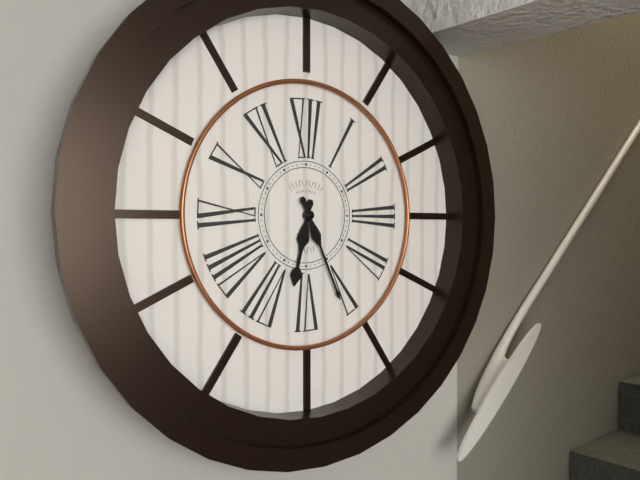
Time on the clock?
6:26
